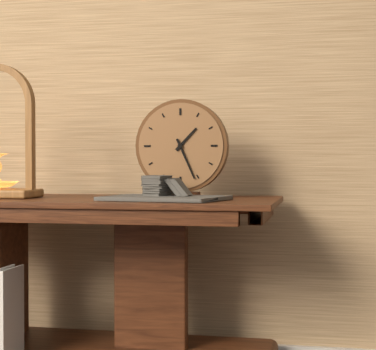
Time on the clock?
1:26
